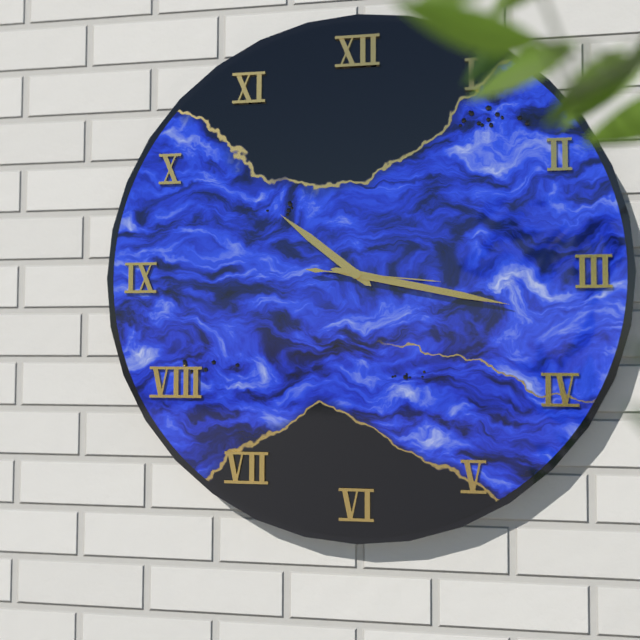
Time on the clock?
10:17:16
